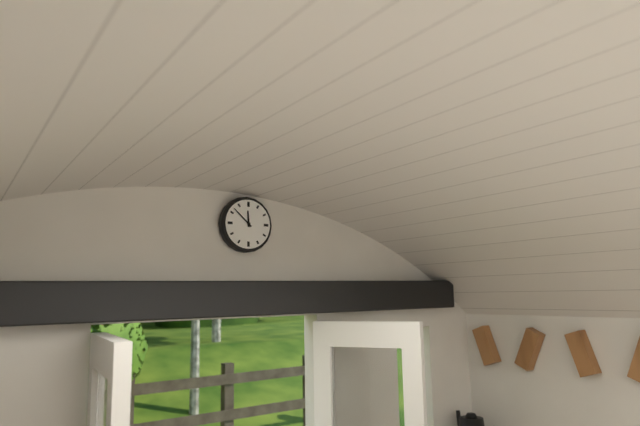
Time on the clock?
11:52
